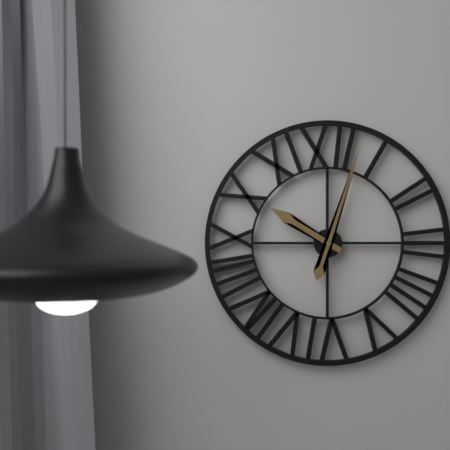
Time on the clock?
10:03
